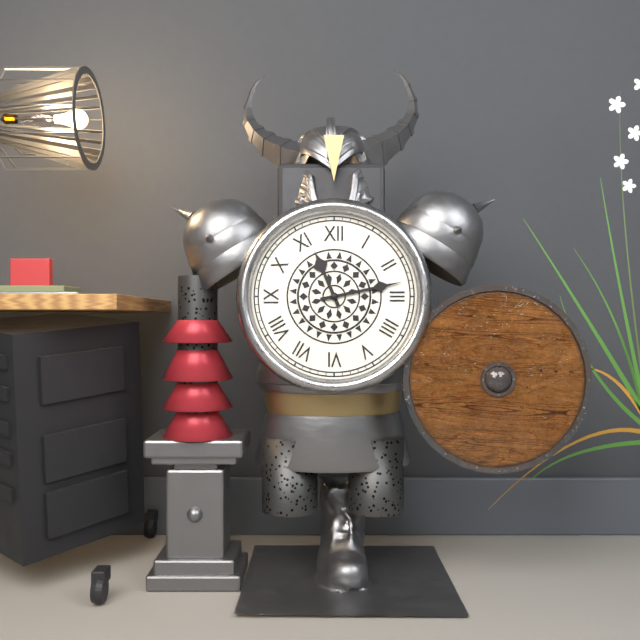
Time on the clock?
11:13
